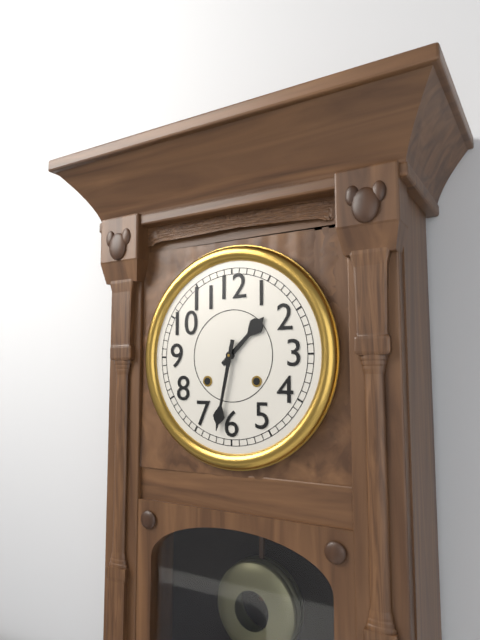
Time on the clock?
1:32
